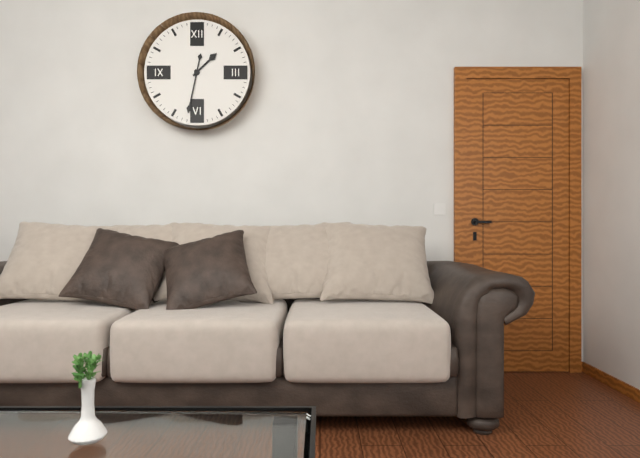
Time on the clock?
1:32
